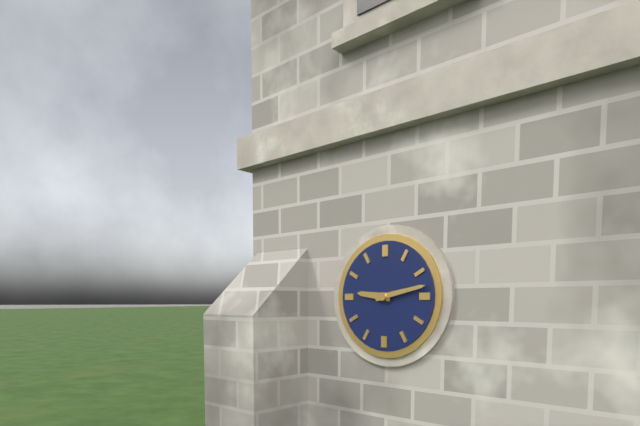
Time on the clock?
9:13
